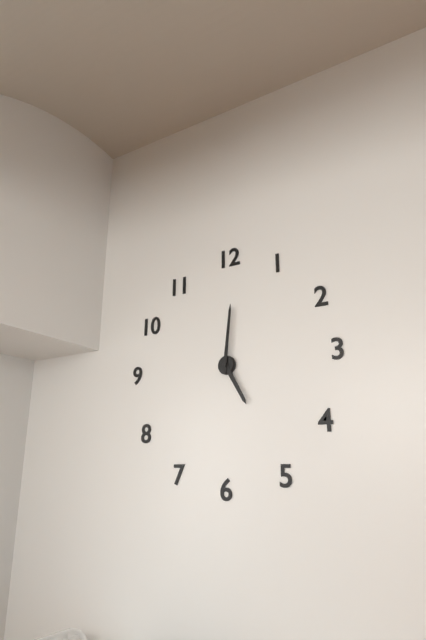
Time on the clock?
5:01
